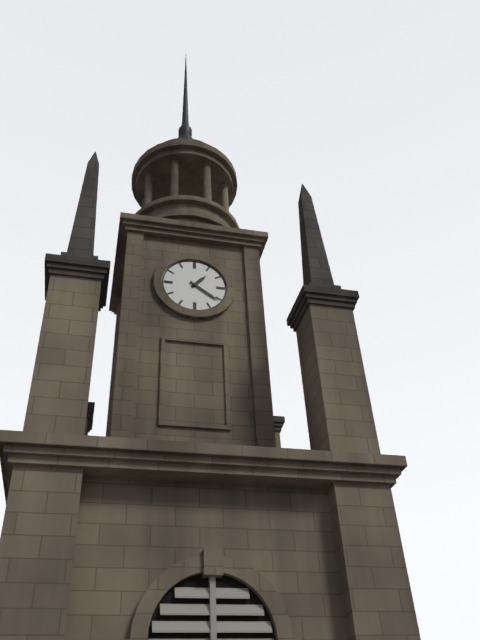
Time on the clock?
1:21
